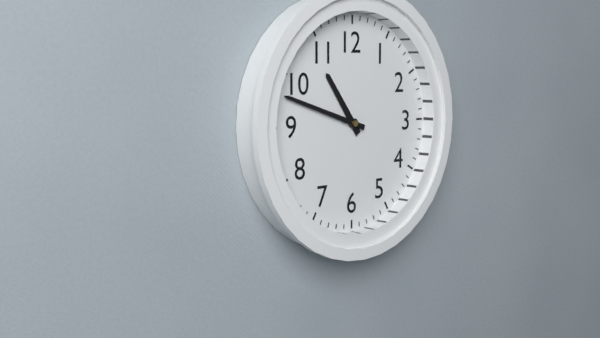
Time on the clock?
10:48
